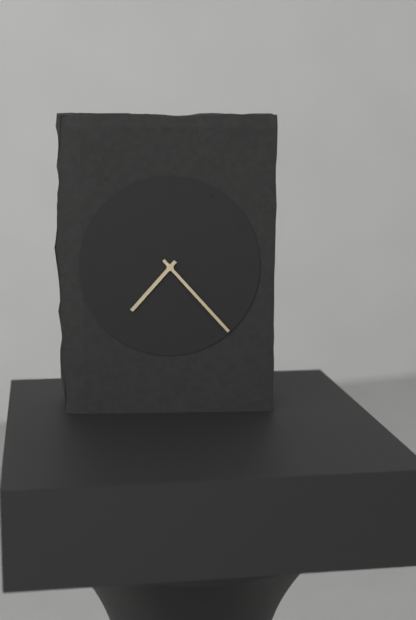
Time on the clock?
7:23
